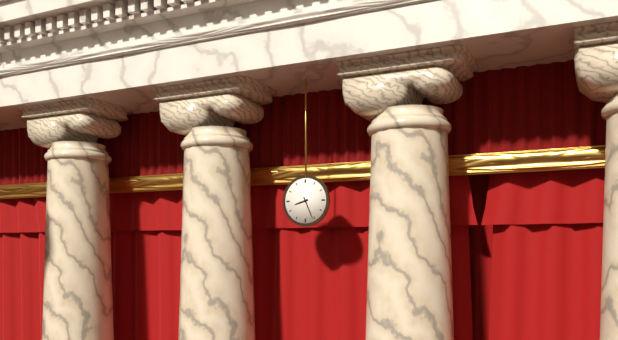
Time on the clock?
8:26
